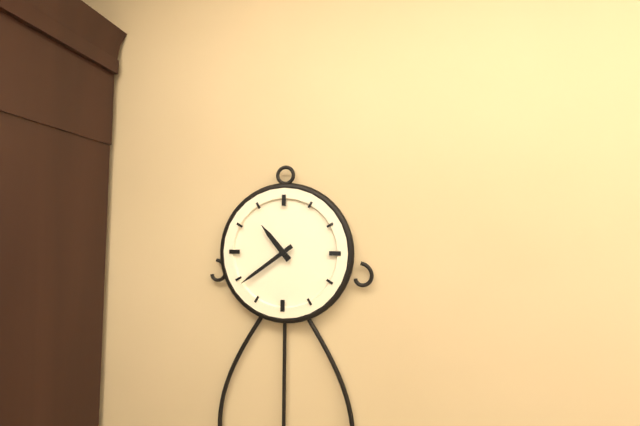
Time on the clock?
10:39
